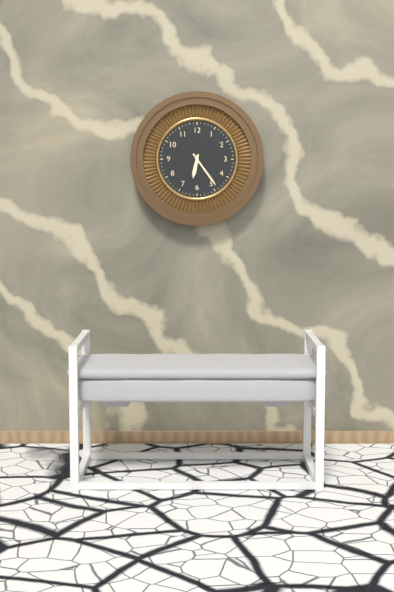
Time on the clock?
6:24
